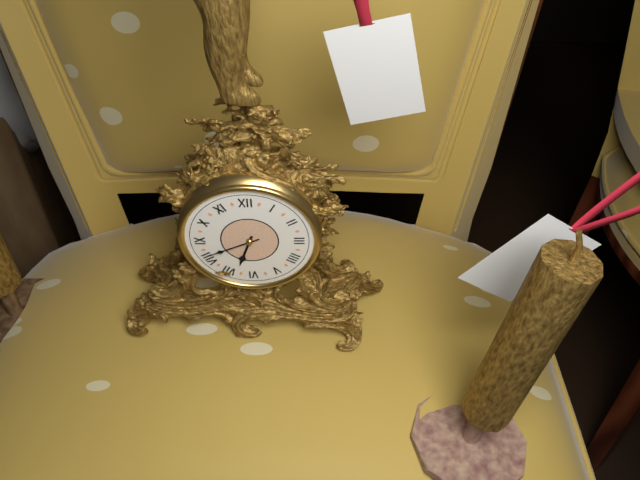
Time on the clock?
6:41
